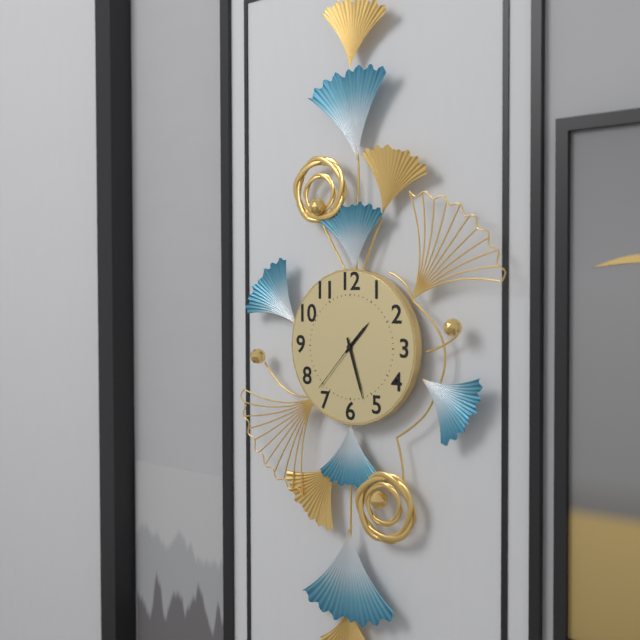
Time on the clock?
1:27:37
